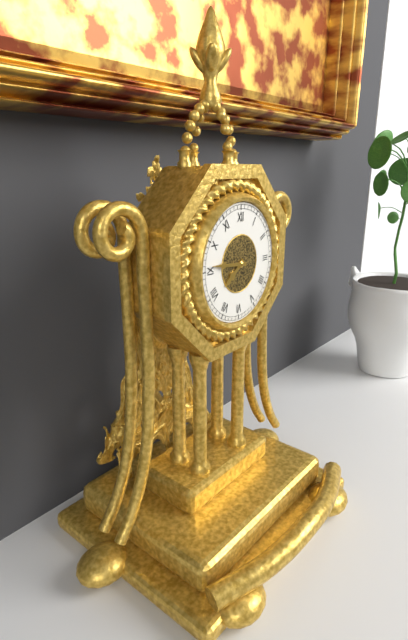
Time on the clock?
7:46
